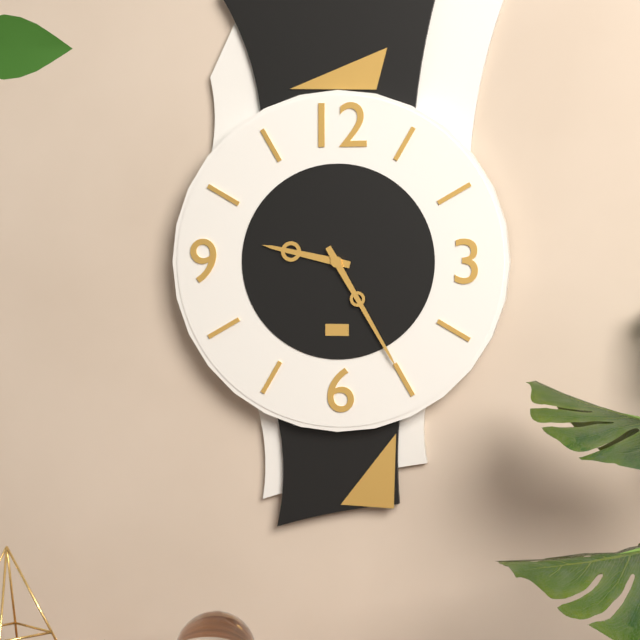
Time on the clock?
9:25
